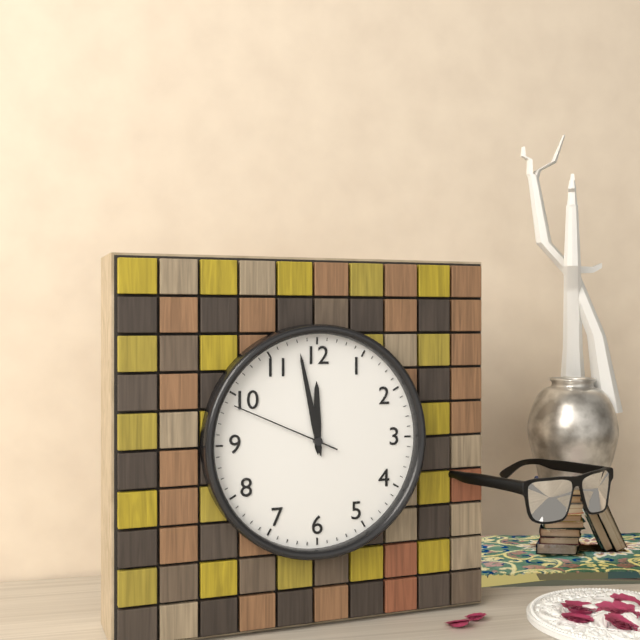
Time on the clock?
11:58:49
